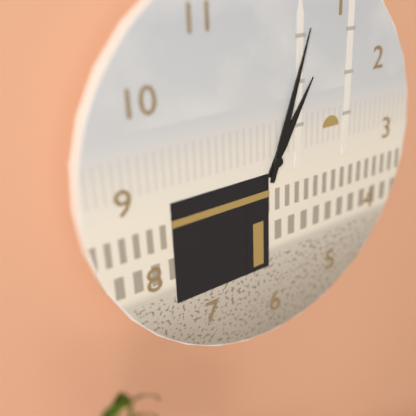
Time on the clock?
1:03
